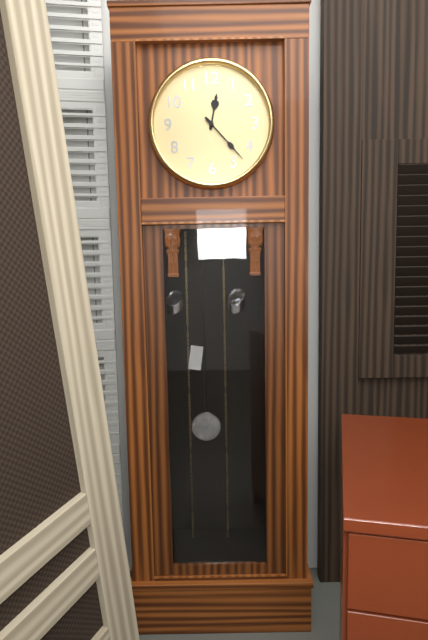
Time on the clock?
12:23
